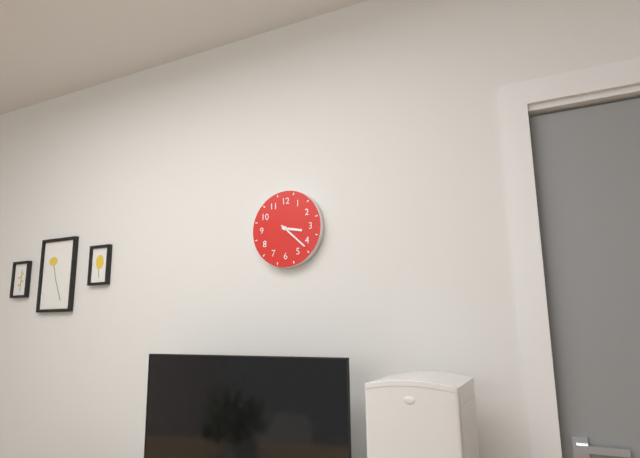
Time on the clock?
3:22
